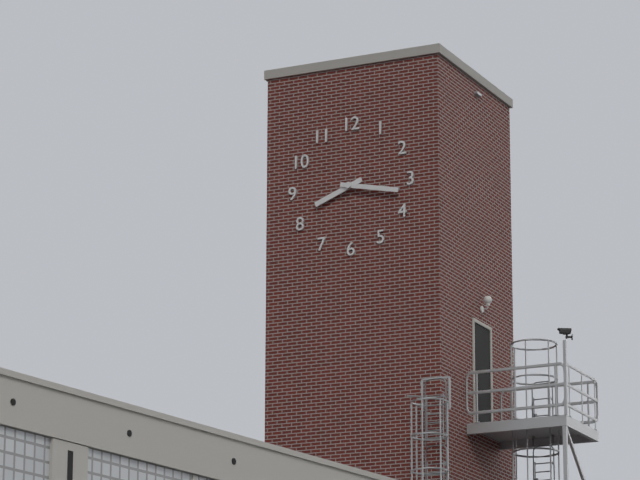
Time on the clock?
8:17
